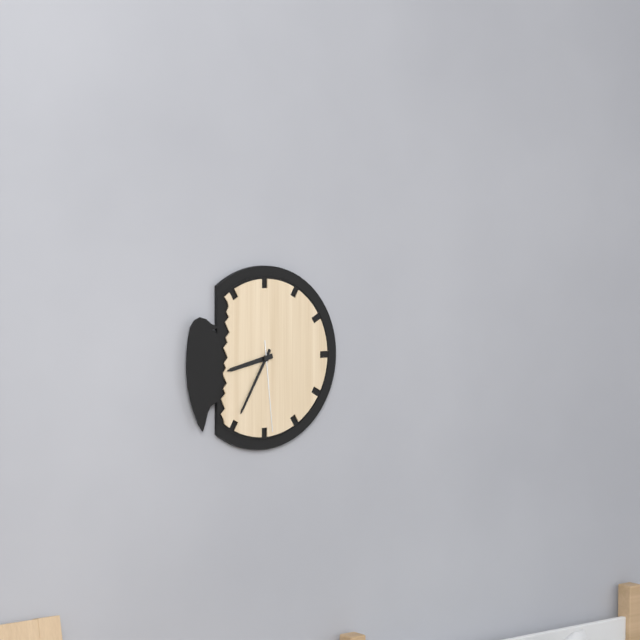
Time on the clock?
8:35:29
